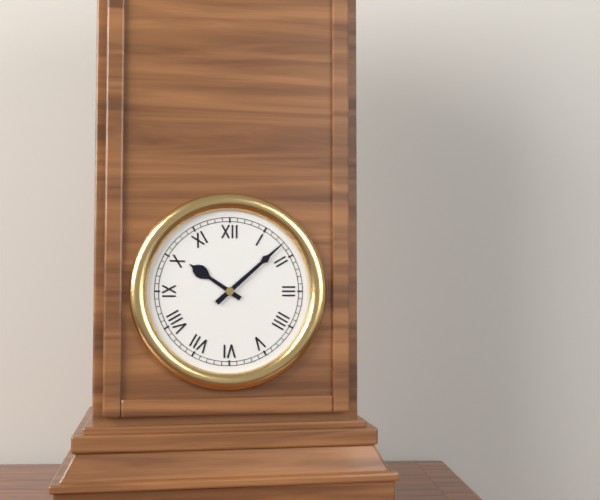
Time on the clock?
10:08
